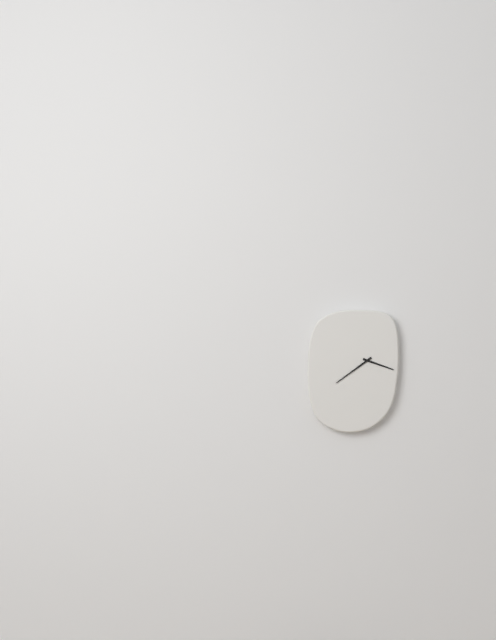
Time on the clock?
3:39
